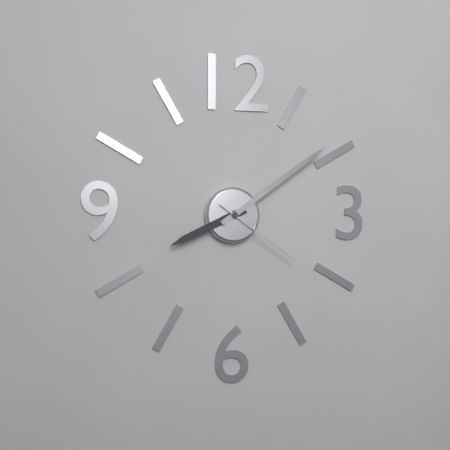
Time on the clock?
8:09:21
